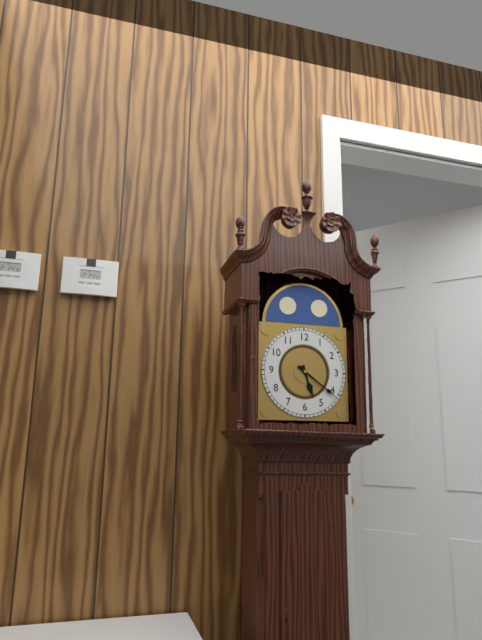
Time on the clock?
5:21
